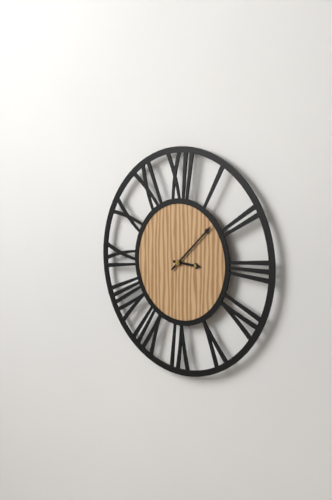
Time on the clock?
3:08
